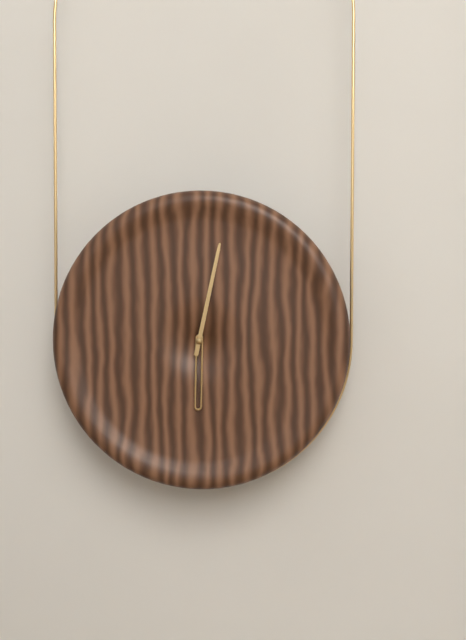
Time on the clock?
6:02
